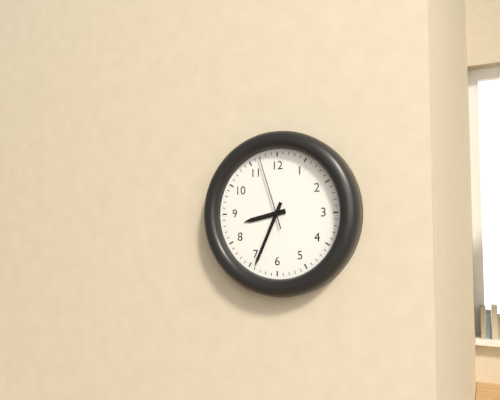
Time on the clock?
8:34:57
